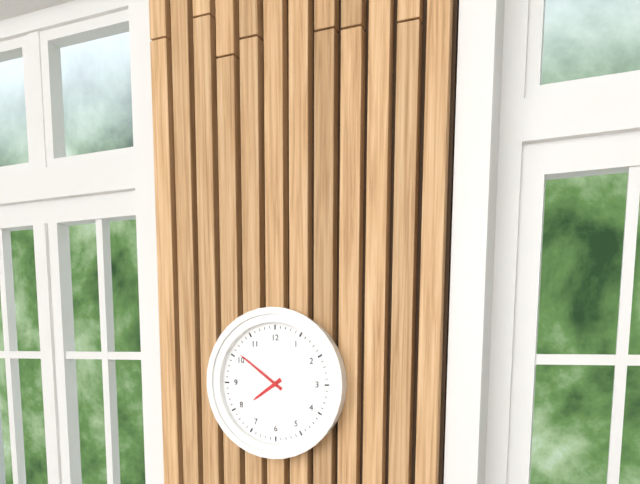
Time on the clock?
7:51
